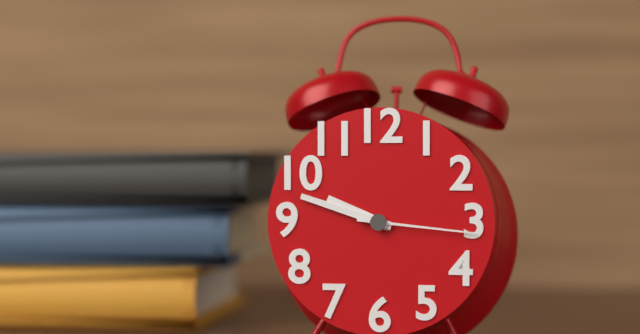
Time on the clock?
9:48:16
